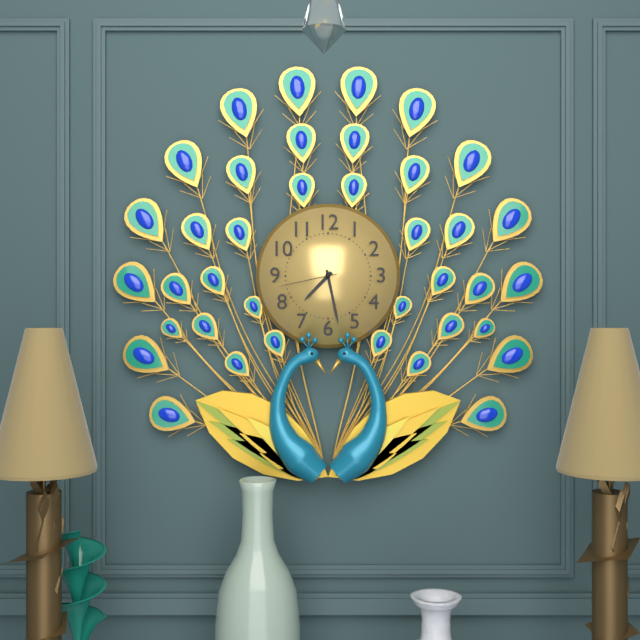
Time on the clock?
7:28:43
